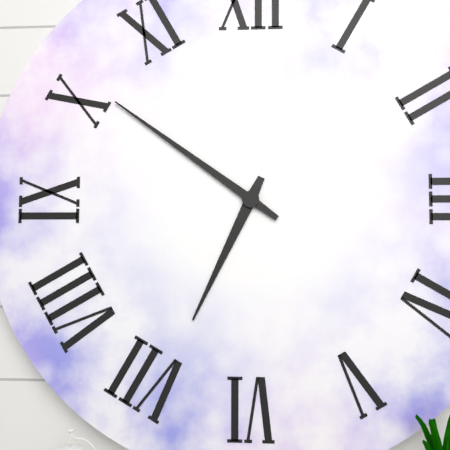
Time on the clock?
6:51
